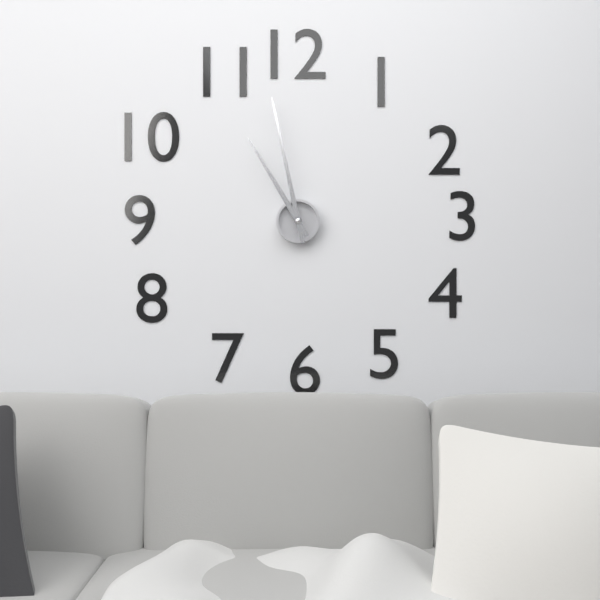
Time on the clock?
10:58
